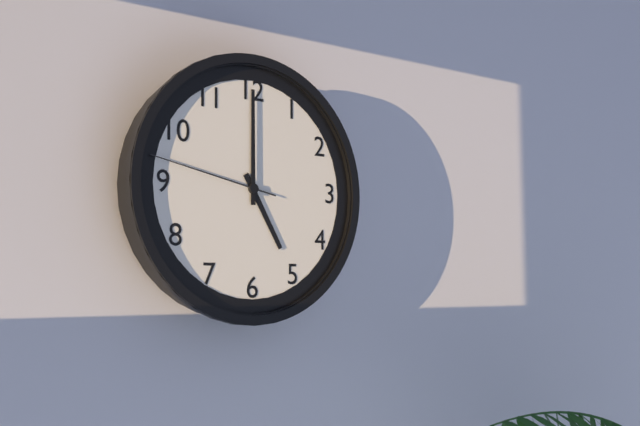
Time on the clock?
5:00:47
